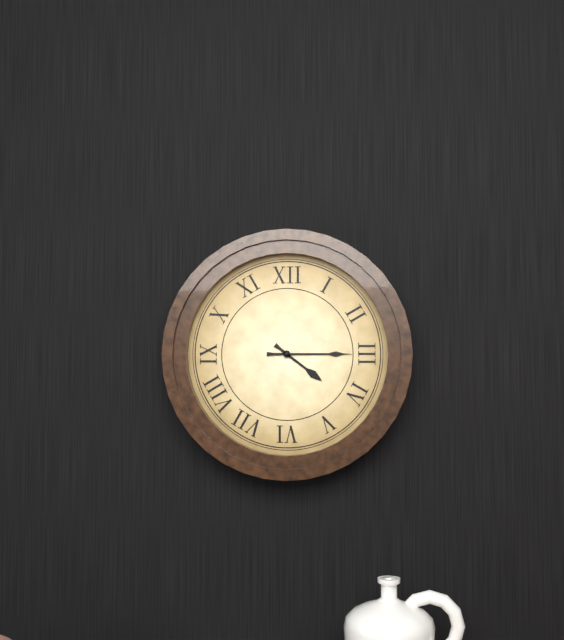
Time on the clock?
4:15
